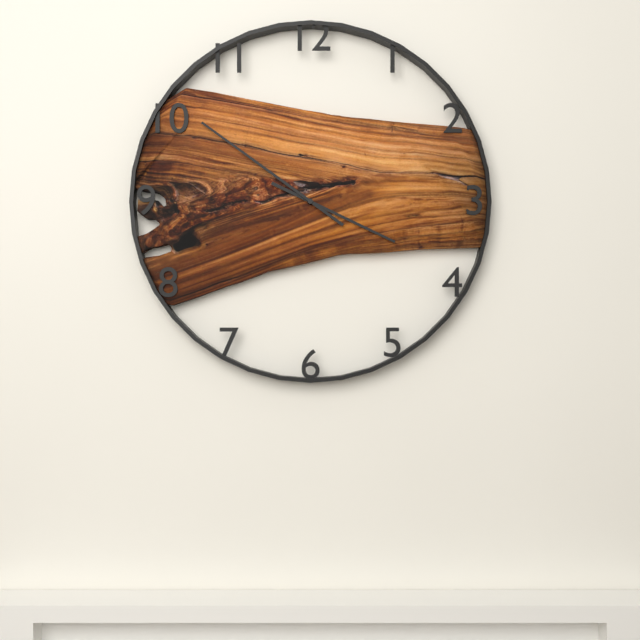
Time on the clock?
3:51
